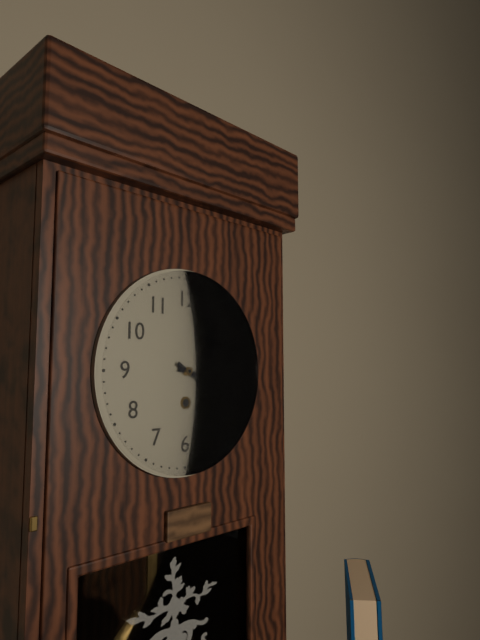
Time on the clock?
3:20
